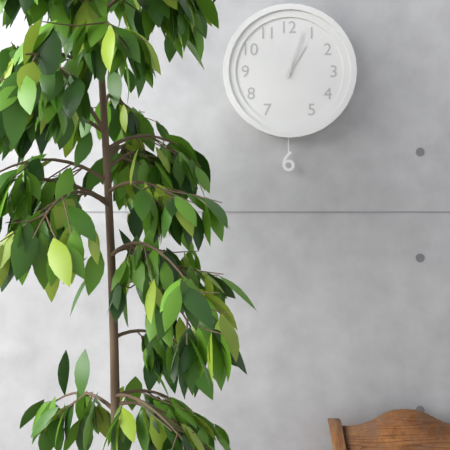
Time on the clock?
1:03
